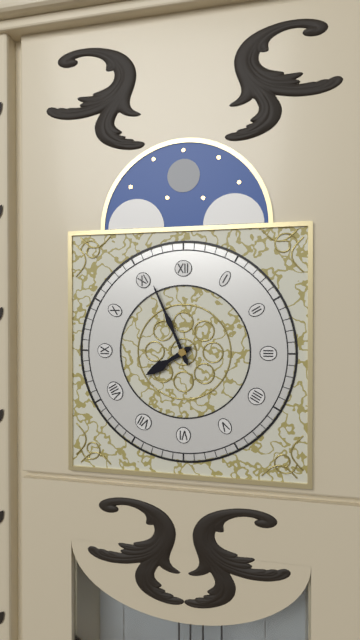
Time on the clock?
7:56
